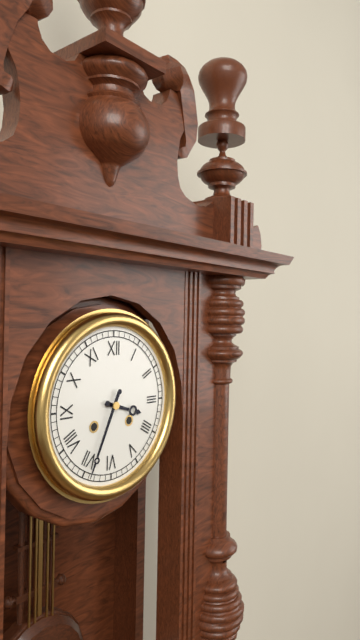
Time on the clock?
3:34
